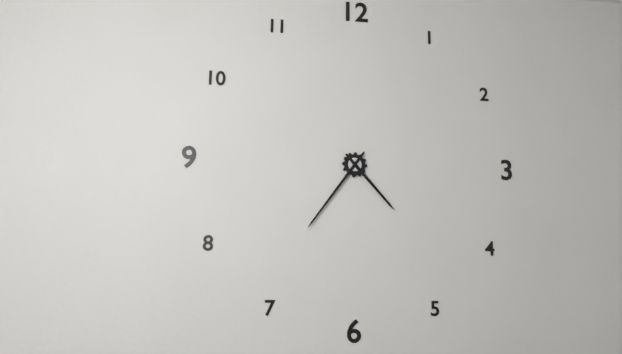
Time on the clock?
4:36
